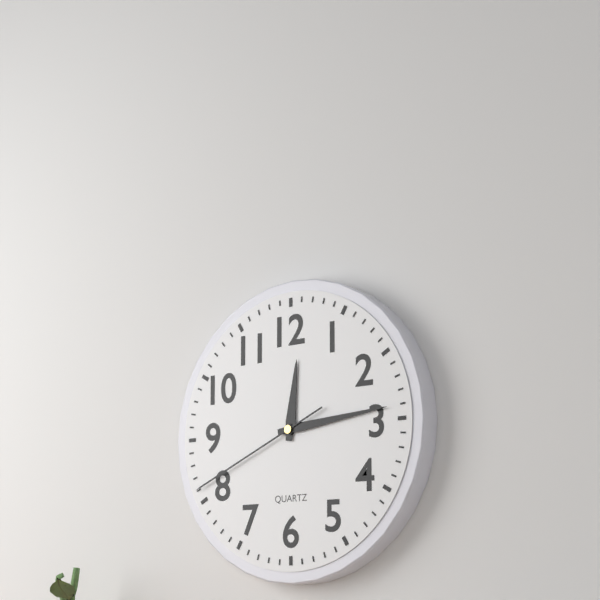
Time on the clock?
12:14:41
